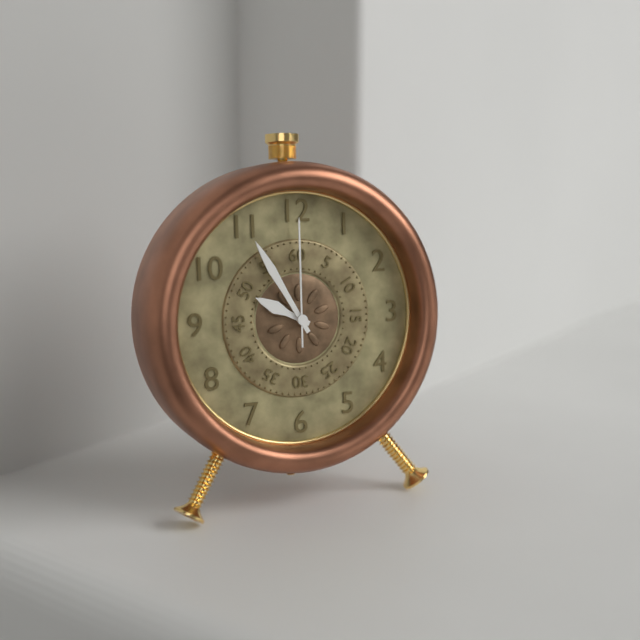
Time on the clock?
9:55:00
